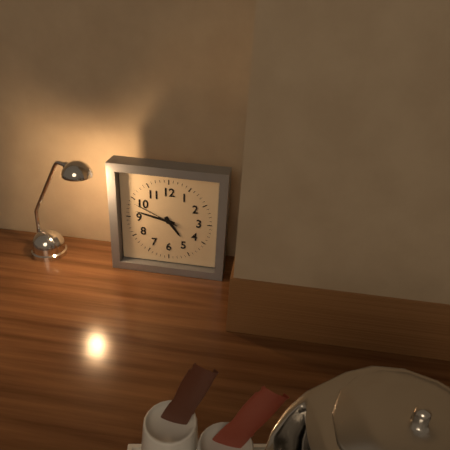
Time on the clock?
4:47
